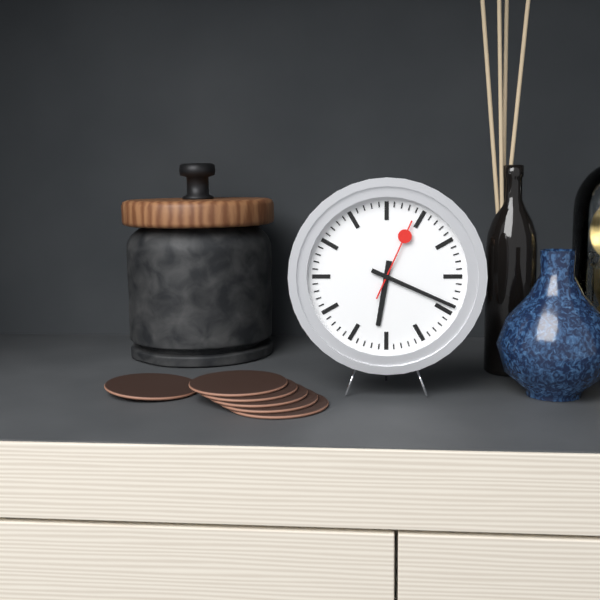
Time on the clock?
6:19:04
